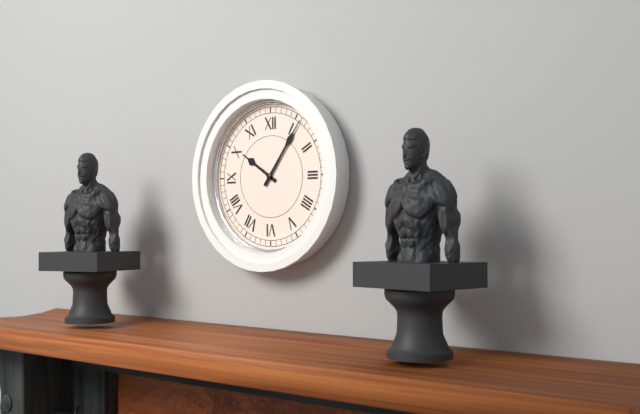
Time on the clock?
10:06
